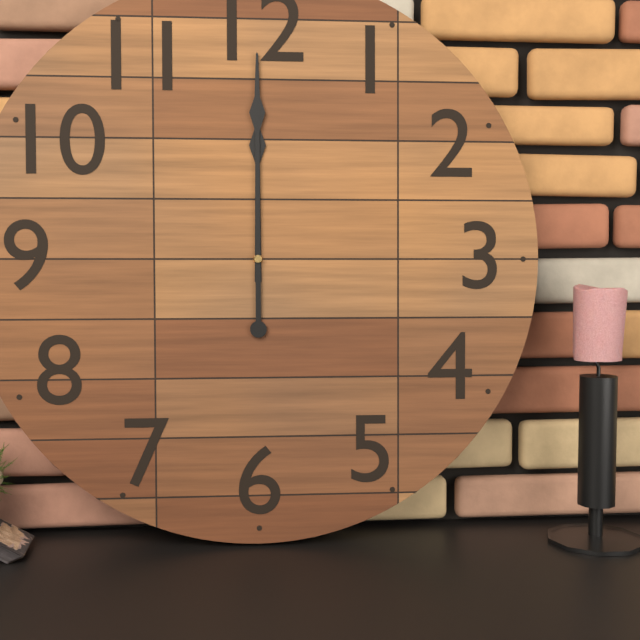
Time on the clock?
12:00
